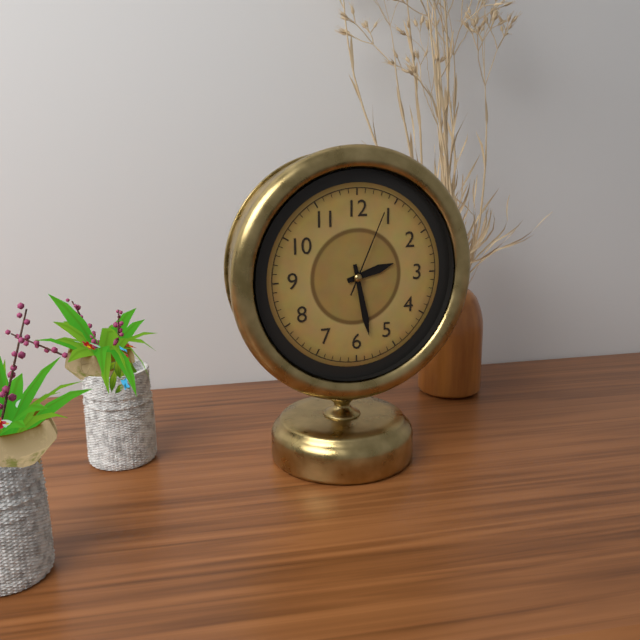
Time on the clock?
2:28:04
